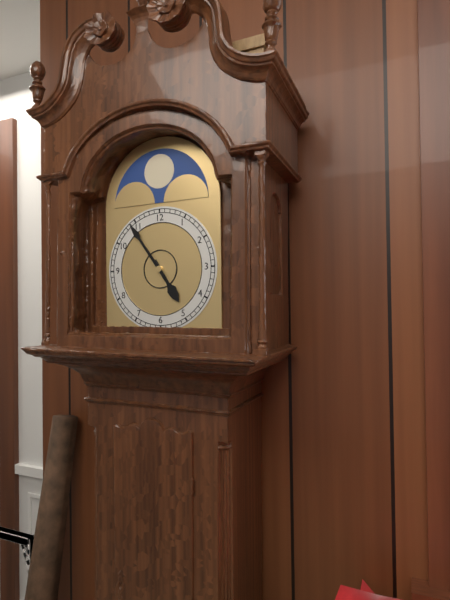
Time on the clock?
4:54
